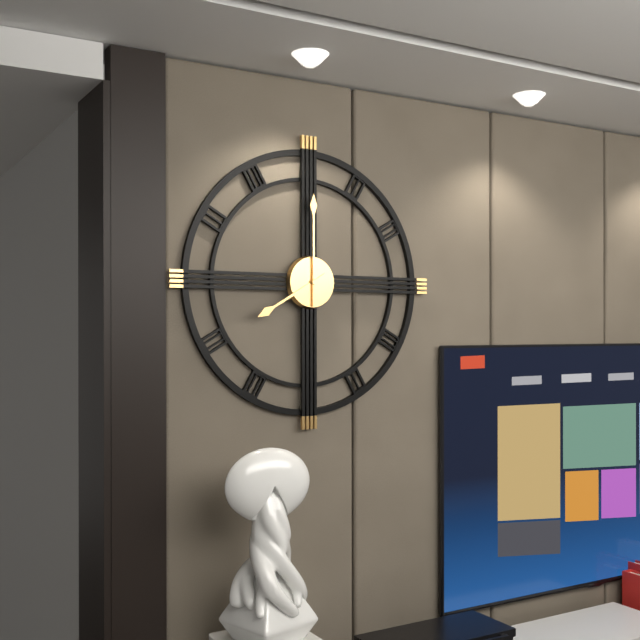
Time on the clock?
8:00
